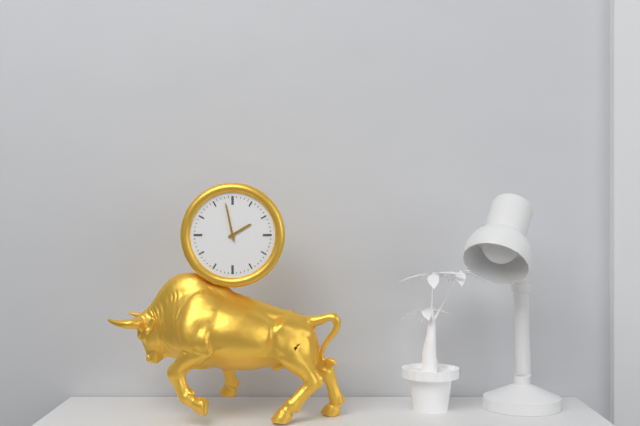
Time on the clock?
1:58
